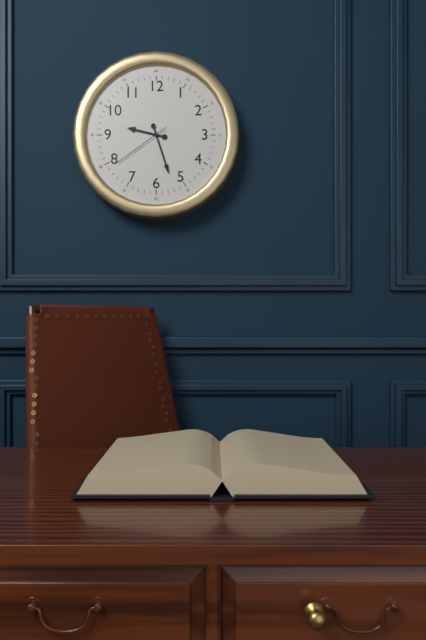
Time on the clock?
9:27:39
